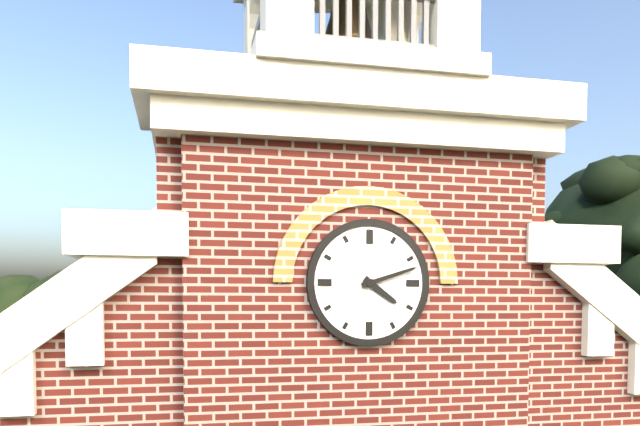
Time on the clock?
4:12
